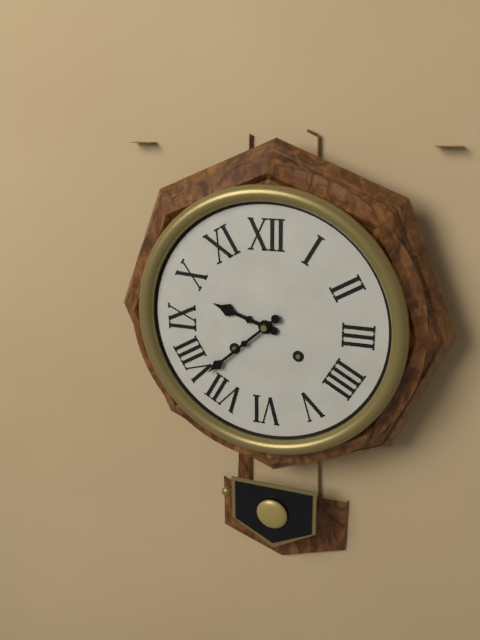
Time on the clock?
9:38
